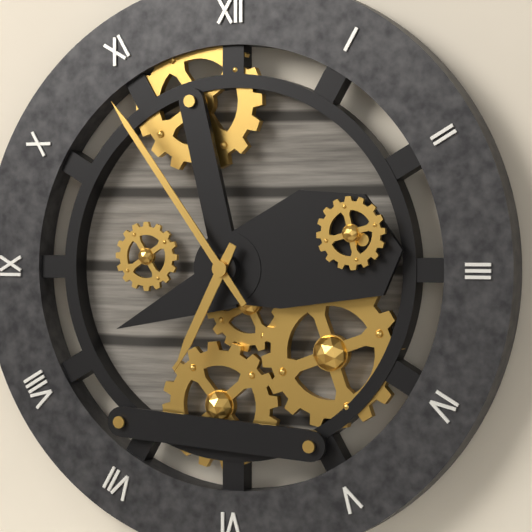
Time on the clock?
6:54
